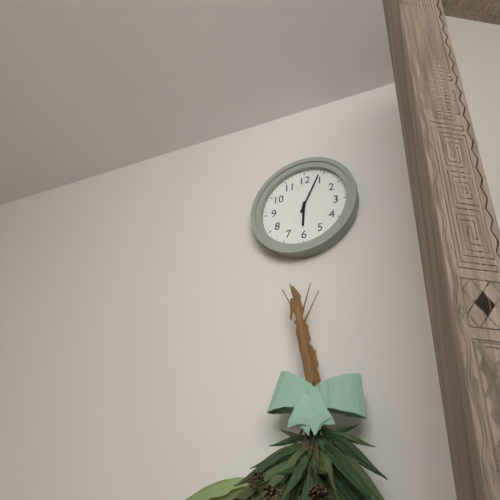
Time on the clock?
6:04
